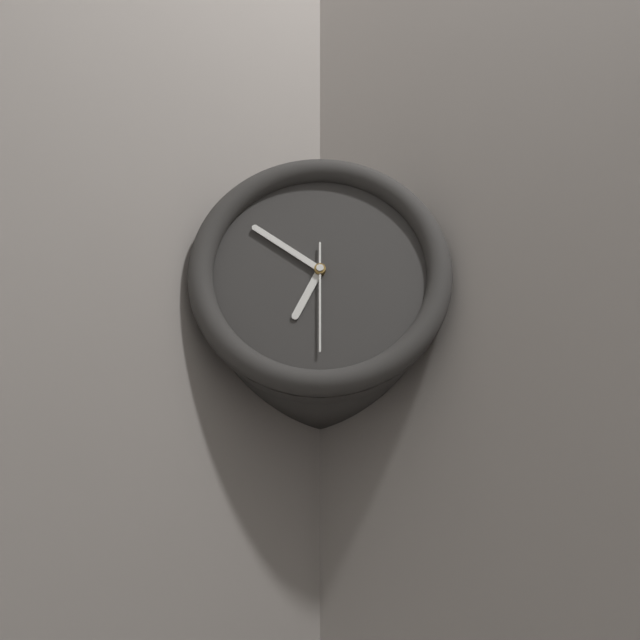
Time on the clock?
6:51:30
